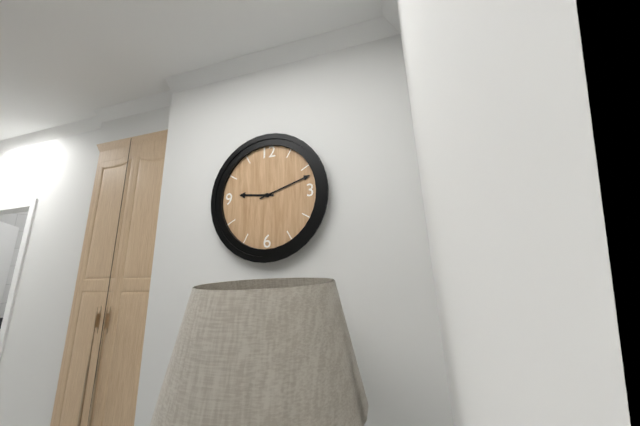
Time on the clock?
9:12
